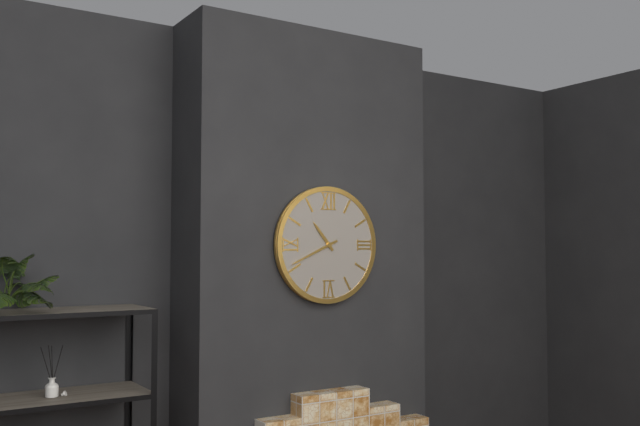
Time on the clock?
10:41
